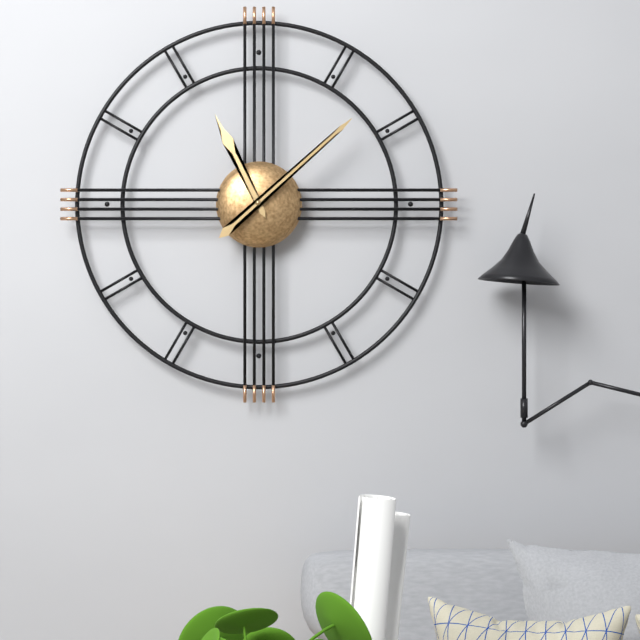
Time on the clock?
11:08
